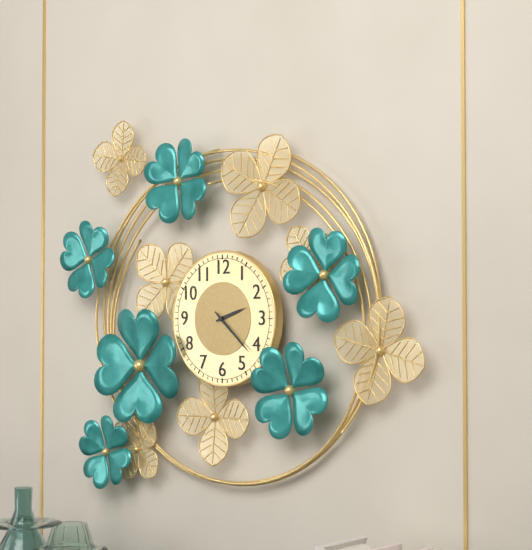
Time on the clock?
2:22
